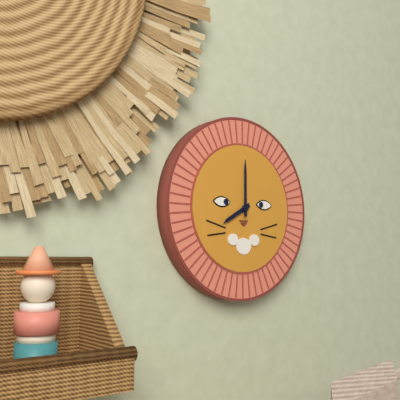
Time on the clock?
8:00
